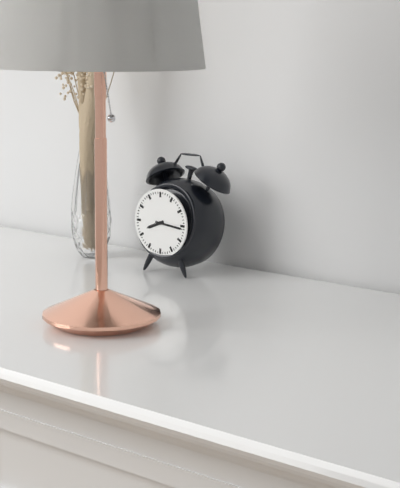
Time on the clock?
8:16
